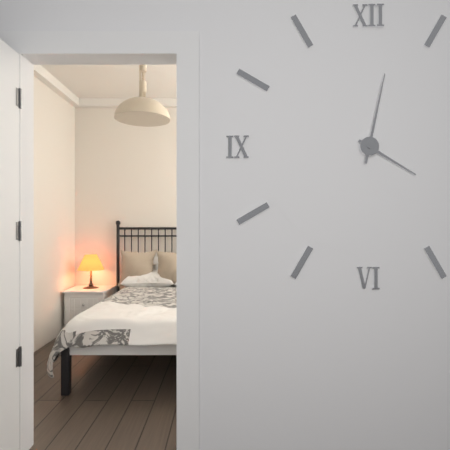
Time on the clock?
4:02
